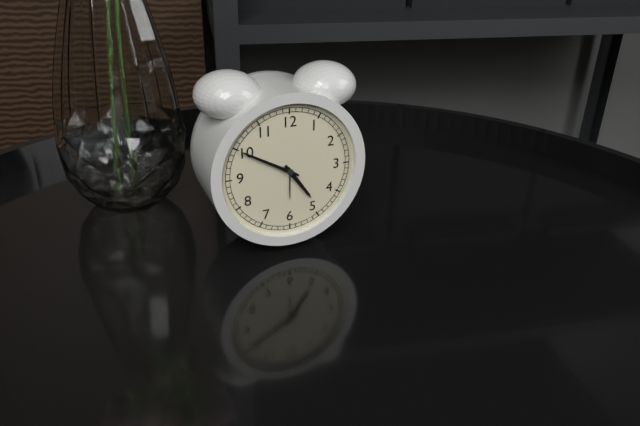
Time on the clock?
4:50
